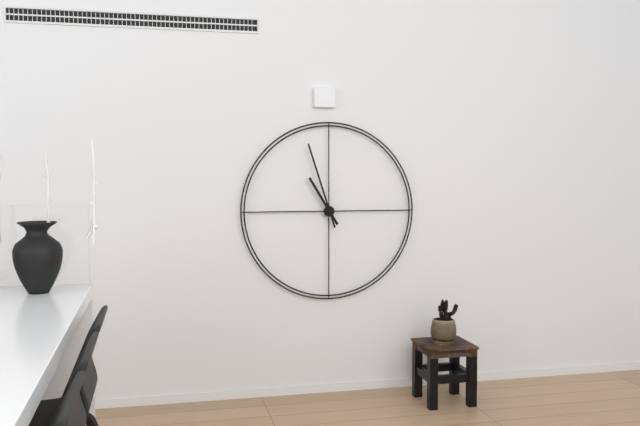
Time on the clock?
10:57
